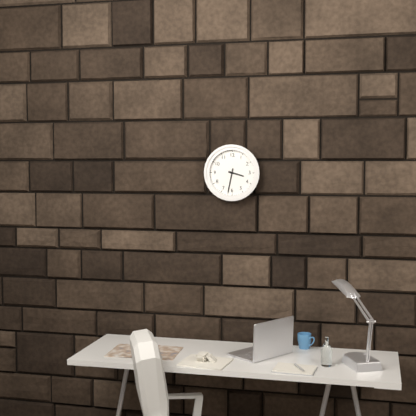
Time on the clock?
3:32
